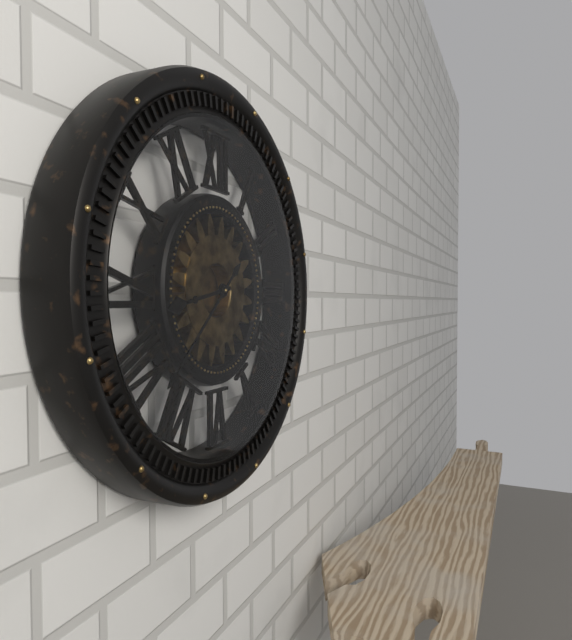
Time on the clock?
8:38
